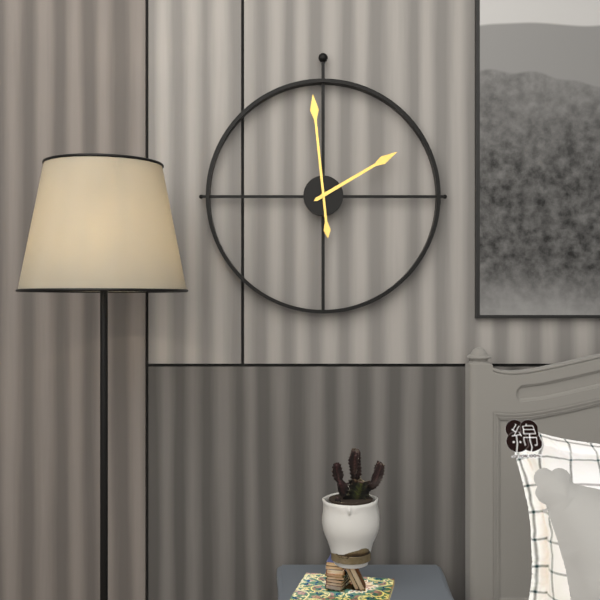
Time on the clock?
1:59
